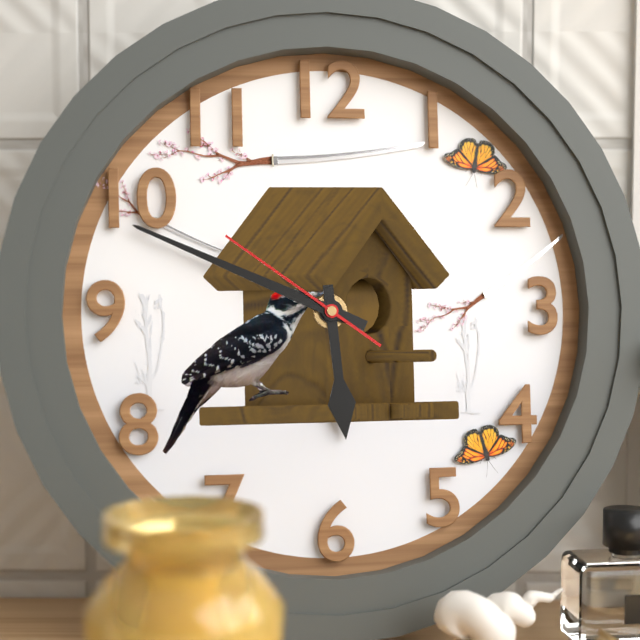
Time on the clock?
5:49:51
